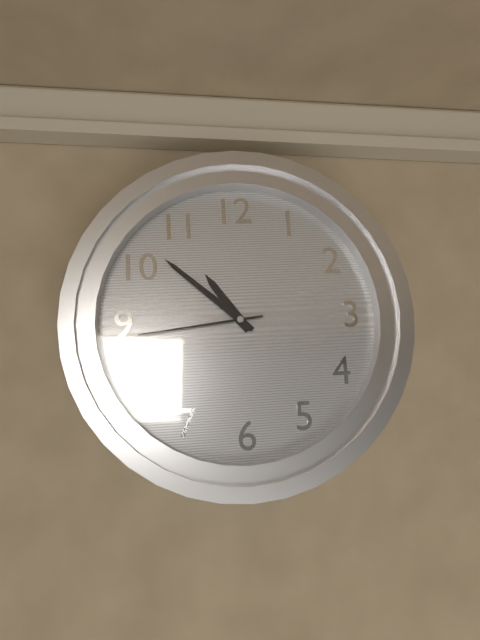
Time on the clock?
10:52:44
